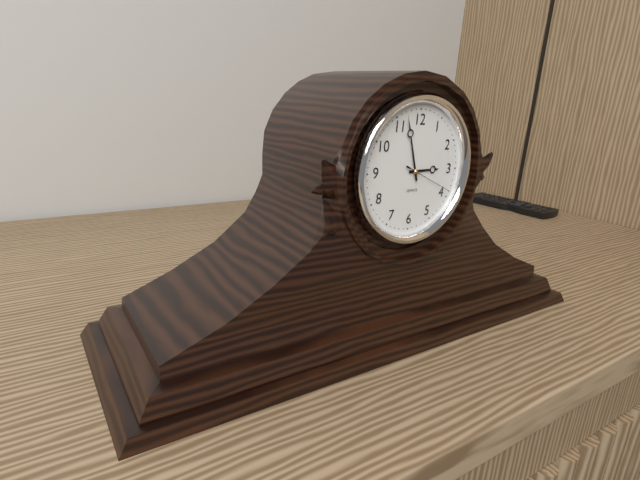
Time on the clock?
2:57:19
